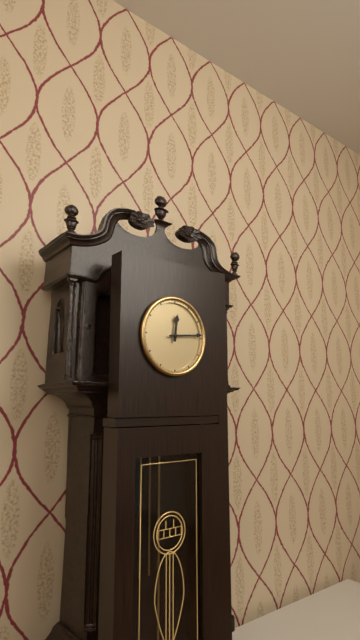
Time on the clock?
12:14
